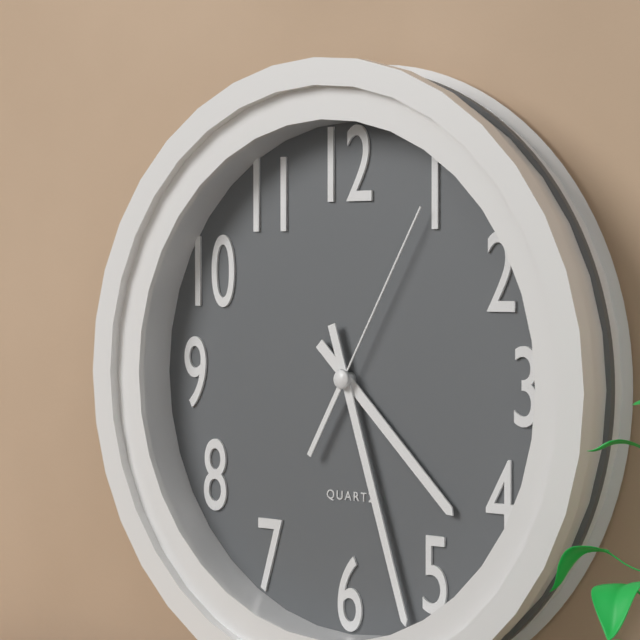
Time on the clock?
4:27:05
